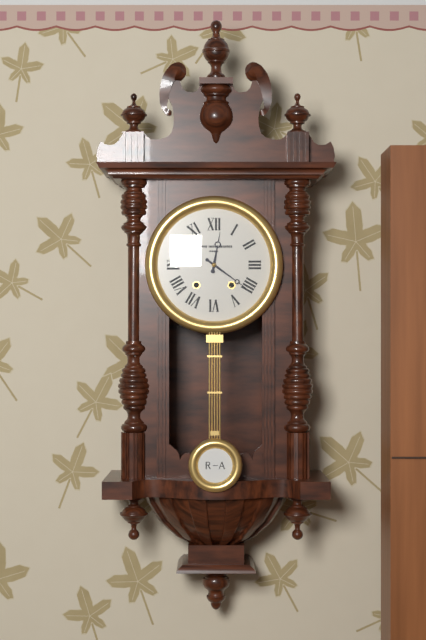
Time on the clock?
12:21
